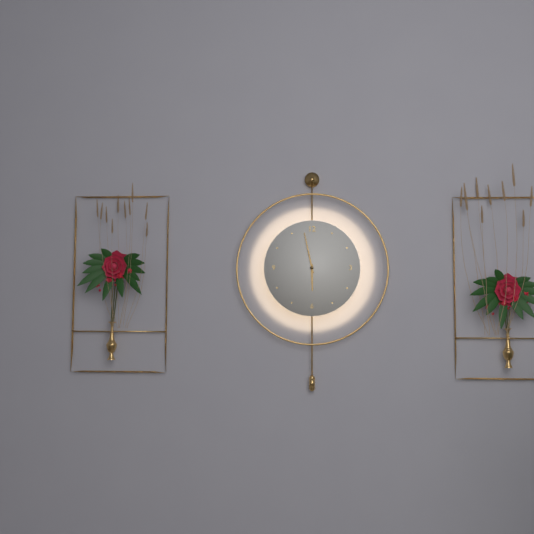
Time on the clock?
5:58
